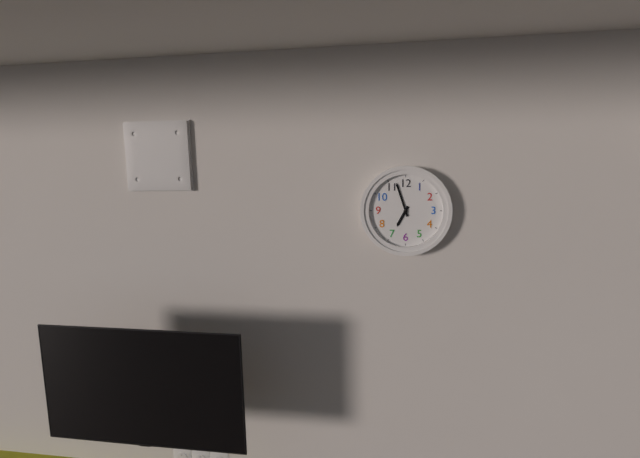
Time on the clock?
6:57
